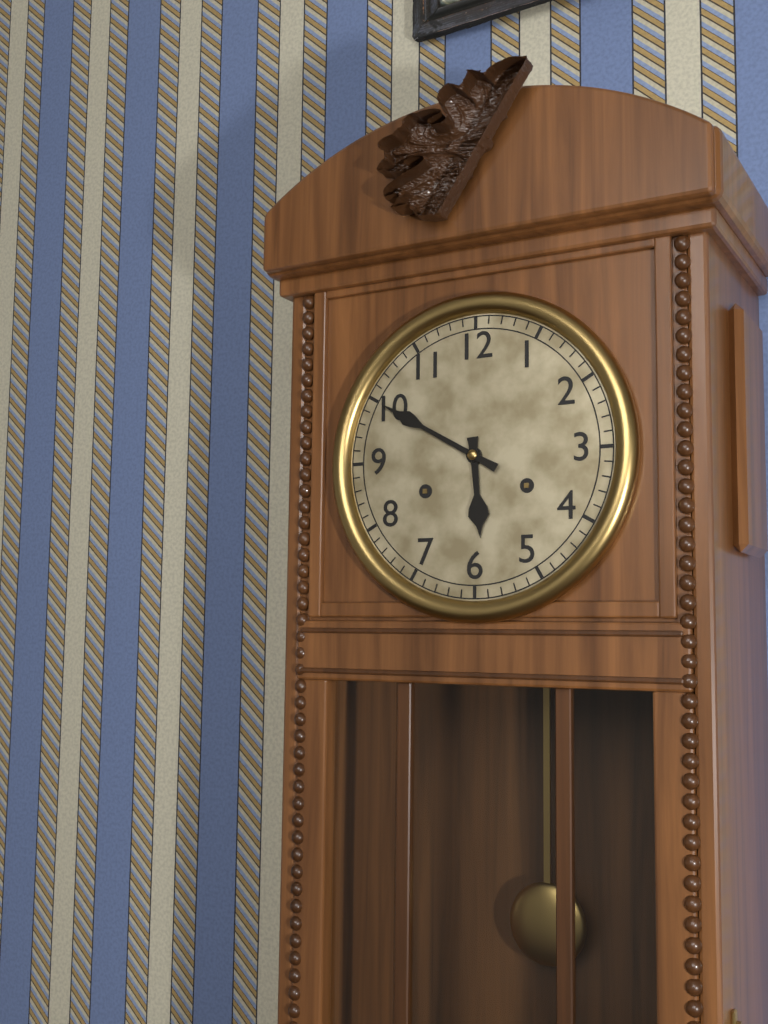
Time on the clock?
5:50
